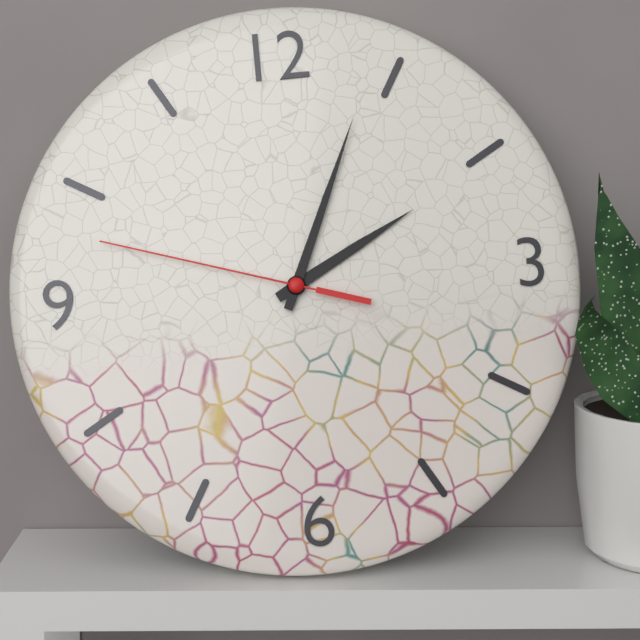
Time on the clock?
2:04:48
